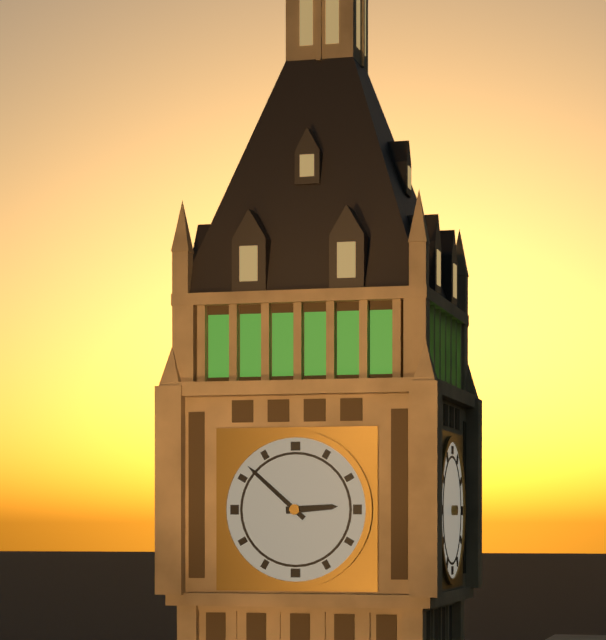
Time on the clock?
2:52
